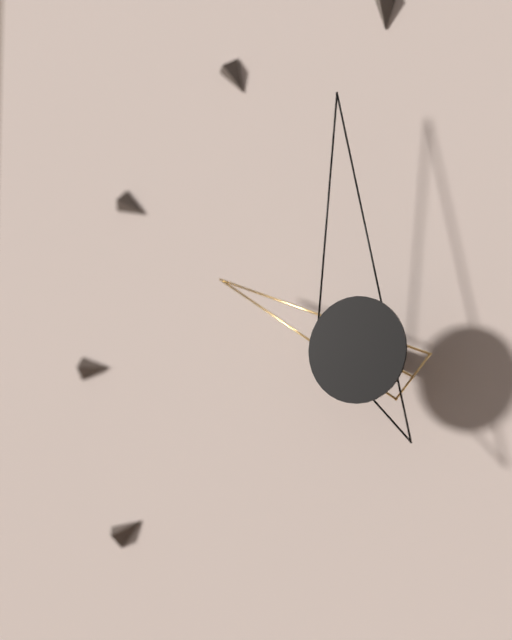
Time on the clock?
9:59
